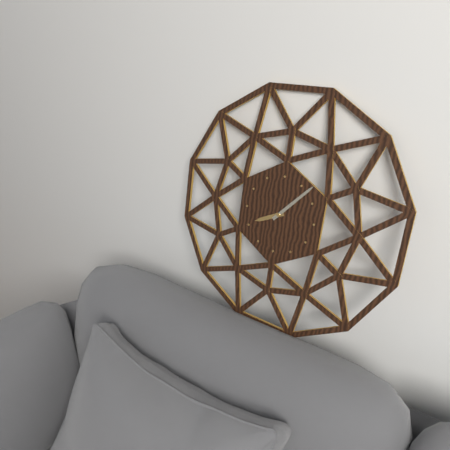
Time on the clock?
8:07
